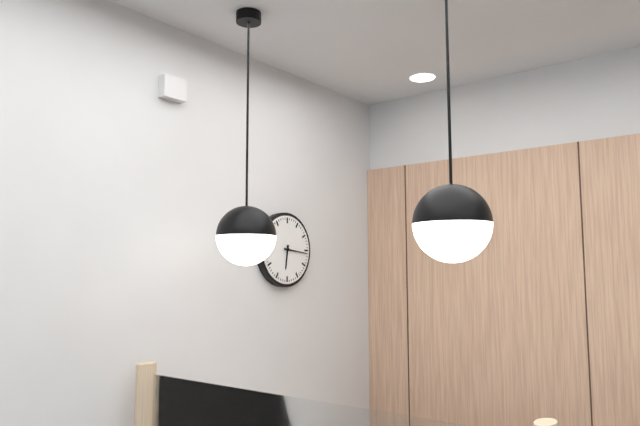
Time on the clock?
6:16
